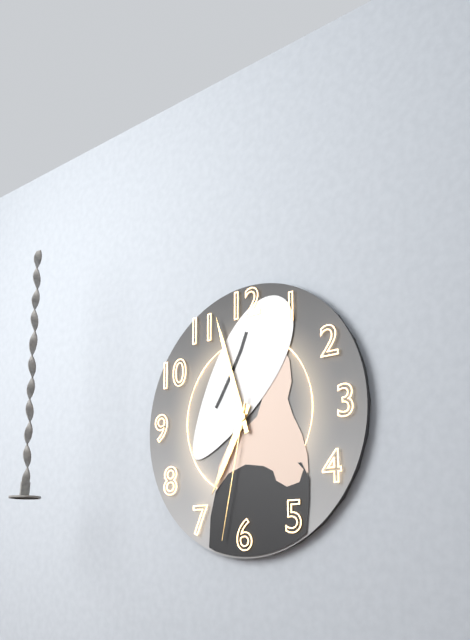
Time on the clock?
6:57:32
